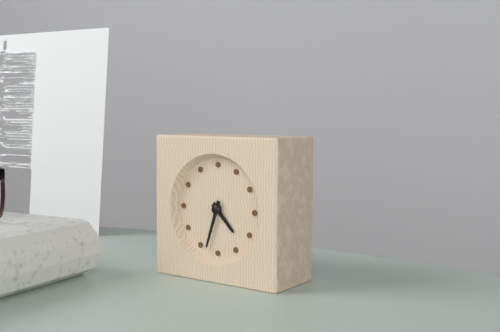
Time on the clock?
4:33
